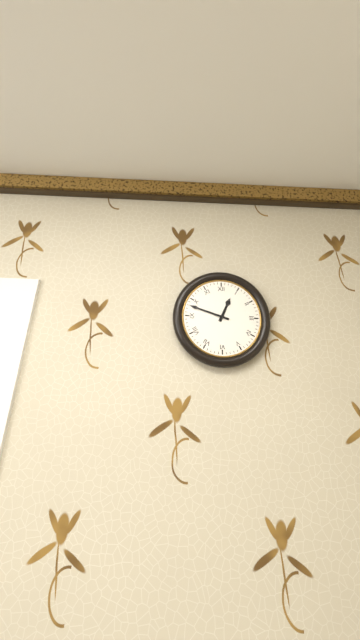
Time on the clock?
12:48
